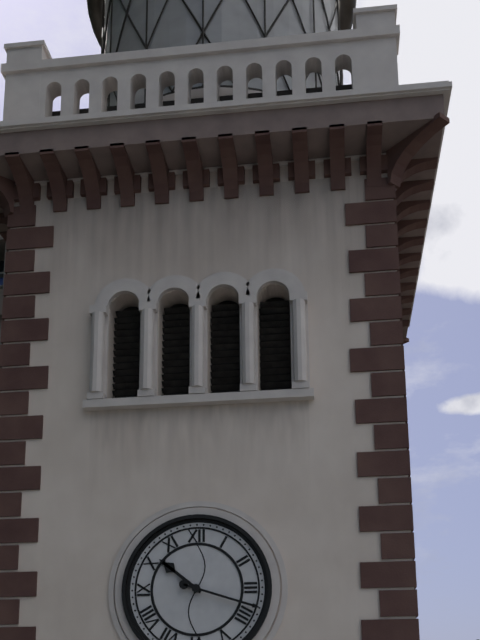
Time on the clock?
10:18
